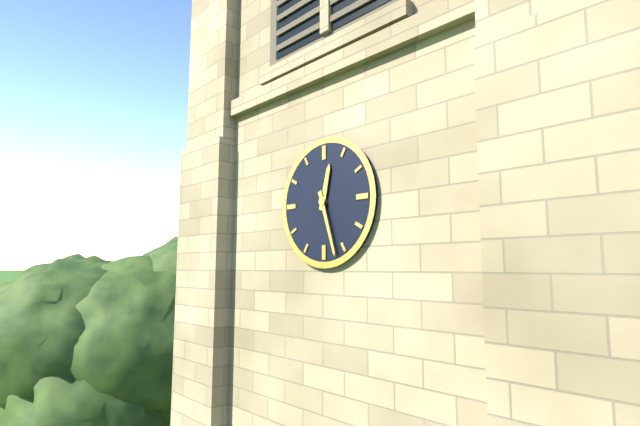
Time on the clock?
12:27
